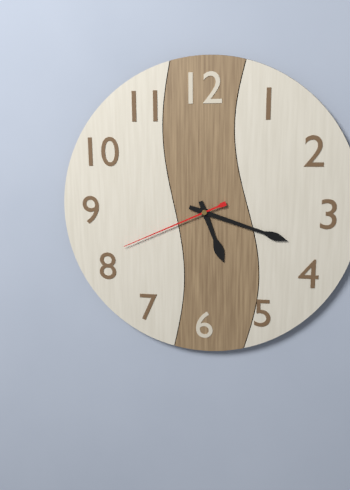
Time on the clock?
5:18:41
